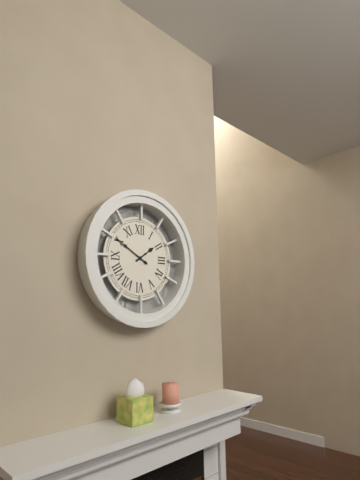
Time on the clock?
1:50
